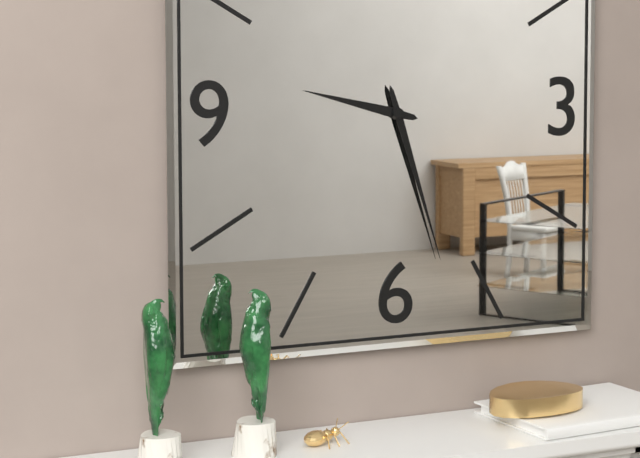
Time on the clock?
9:27
